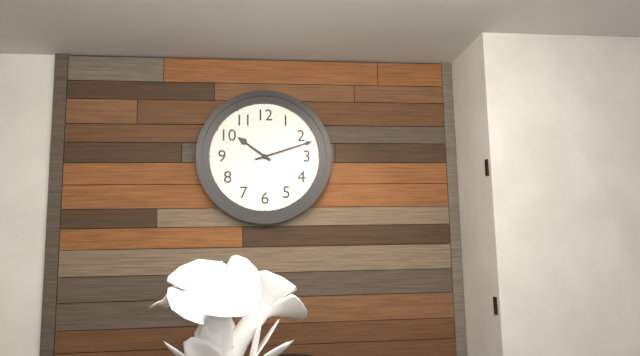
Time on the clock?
10:12
